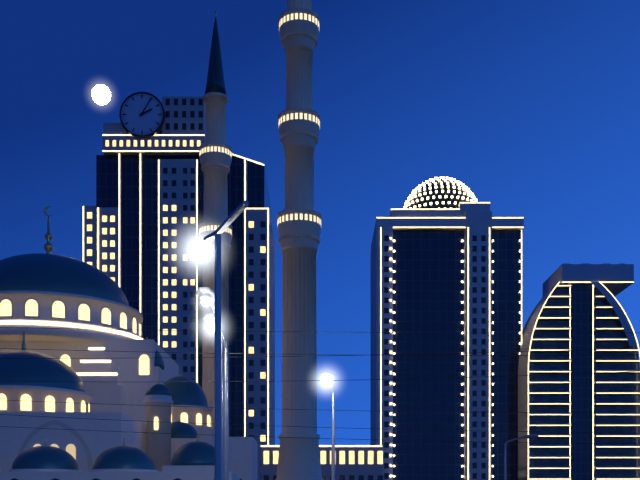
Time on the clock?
2:05
